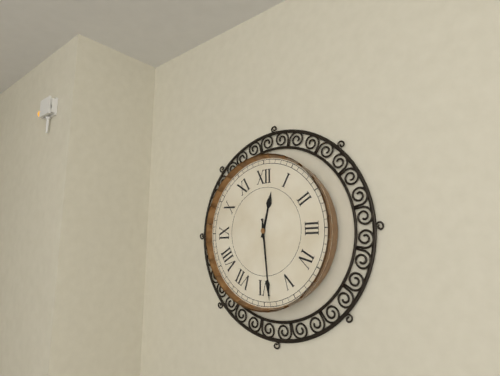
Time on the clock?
12:29
